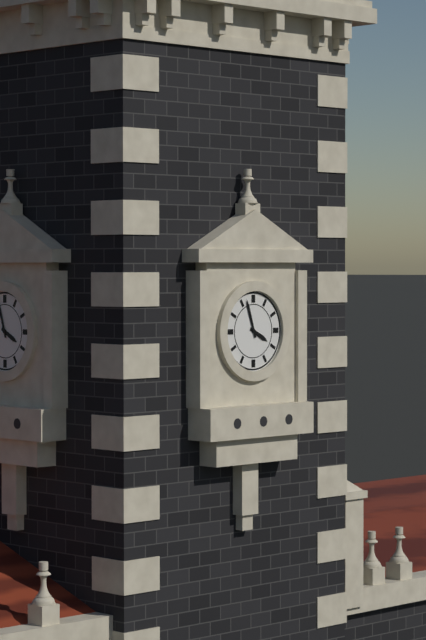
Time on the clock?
3:57
